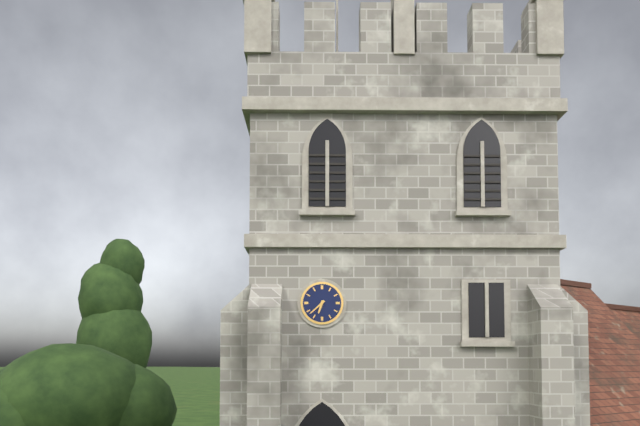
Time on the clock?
6:38
